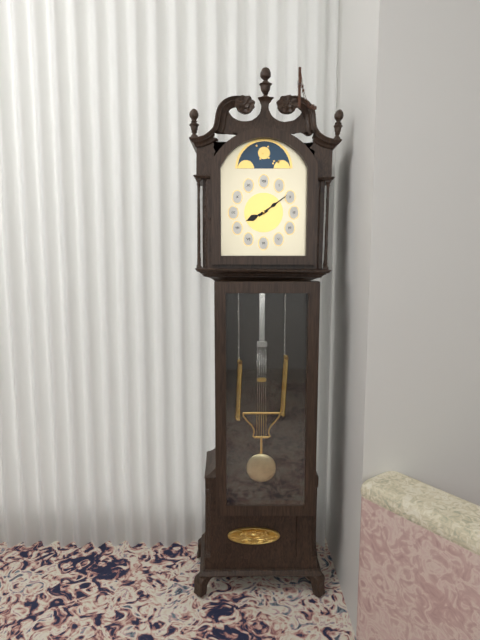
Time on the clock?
8:09
